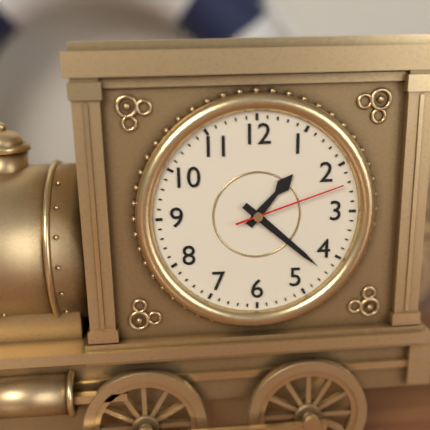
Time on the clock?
1:22:12
